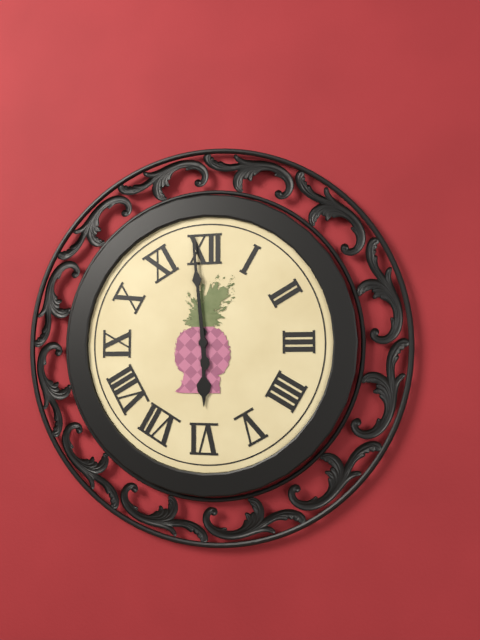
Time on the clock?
5:59
